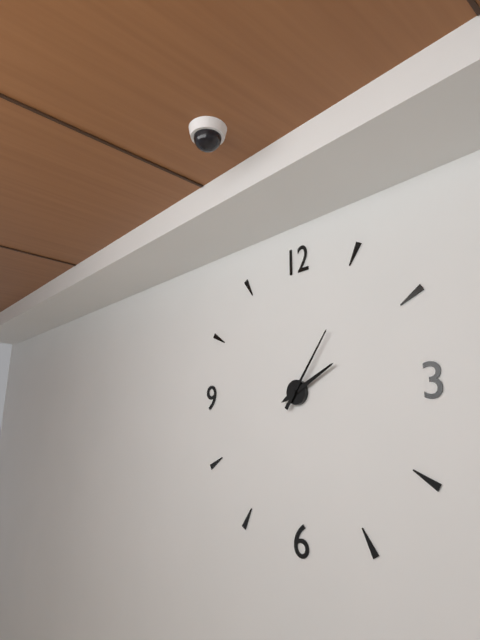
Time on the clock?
2:06
